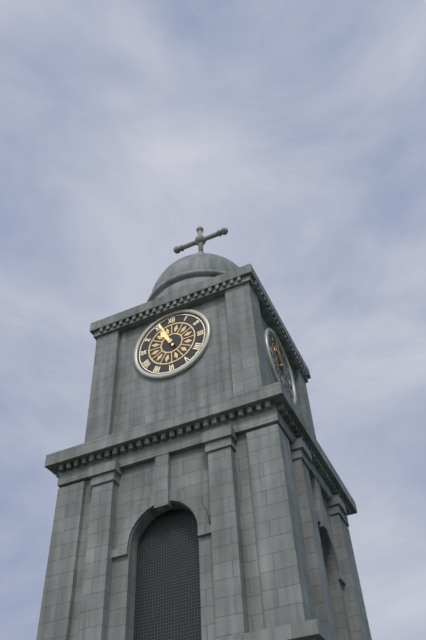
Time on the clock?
10:56
